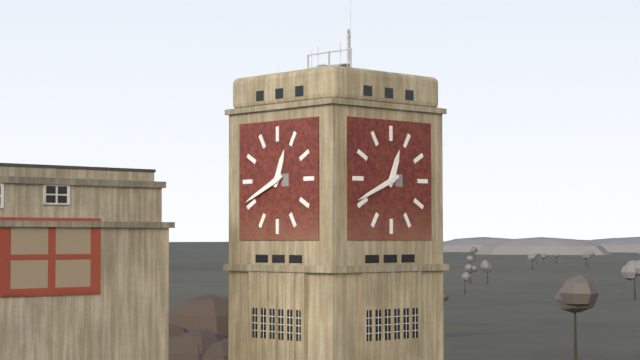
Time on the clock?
12:41
